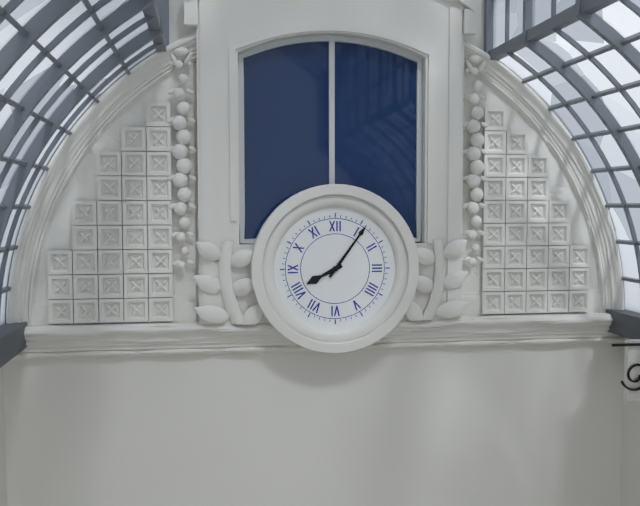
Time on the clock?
8:06
